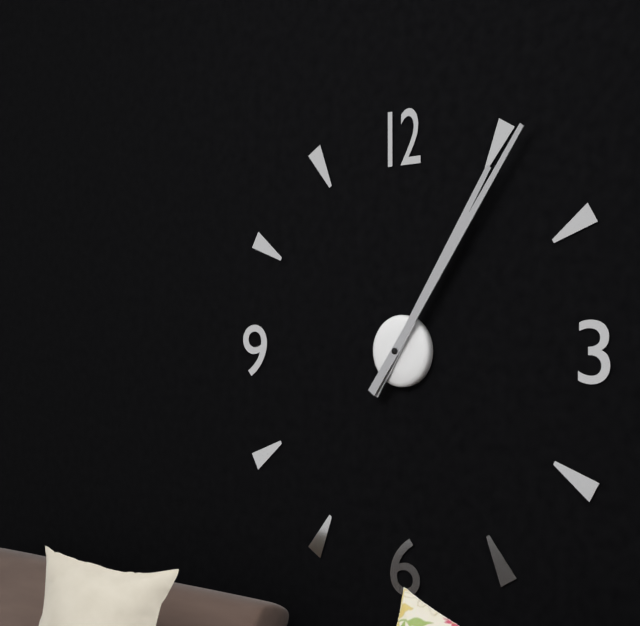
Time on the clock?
1:06
